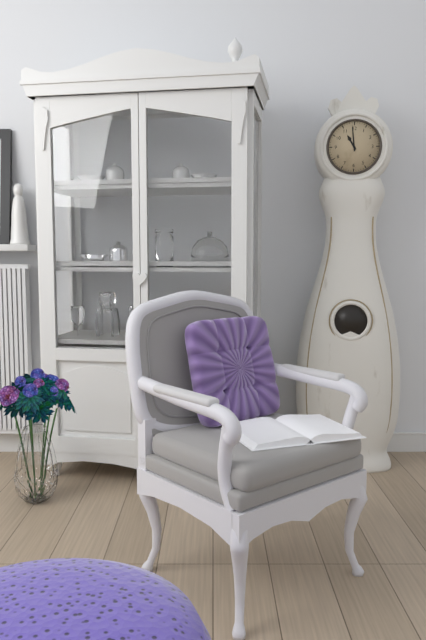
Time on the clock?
10:59
